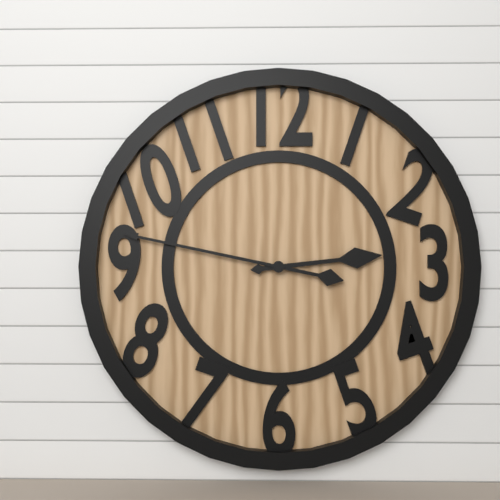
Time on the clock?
2:47
